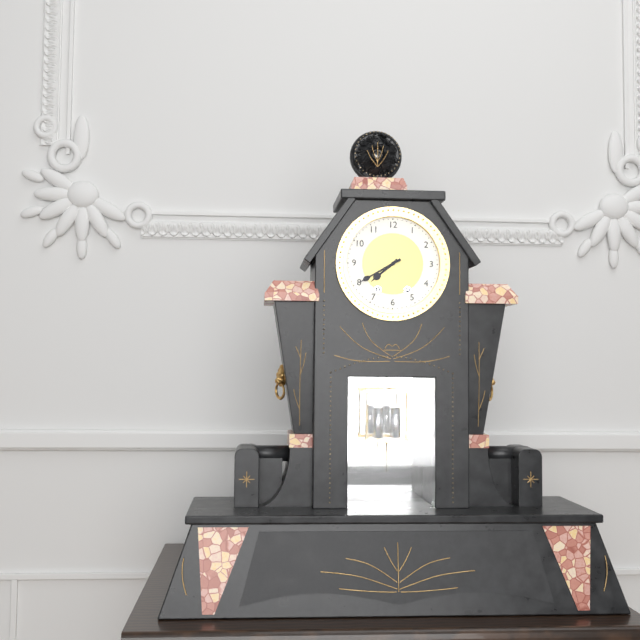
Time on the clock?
7:40
